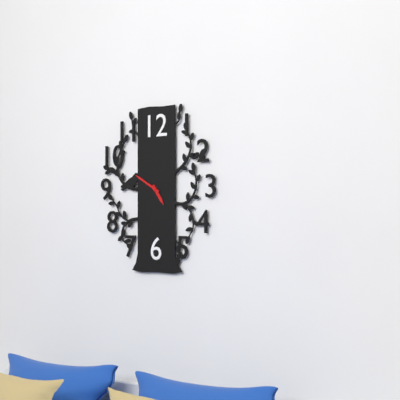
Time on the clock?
4:50
